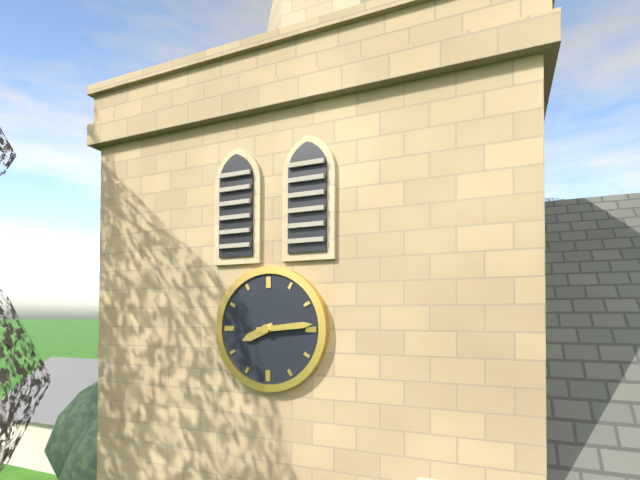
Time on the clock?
8:14
